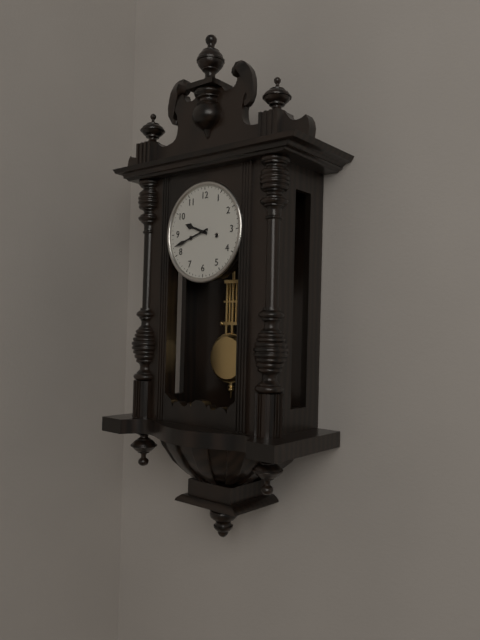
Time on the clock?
9:42
